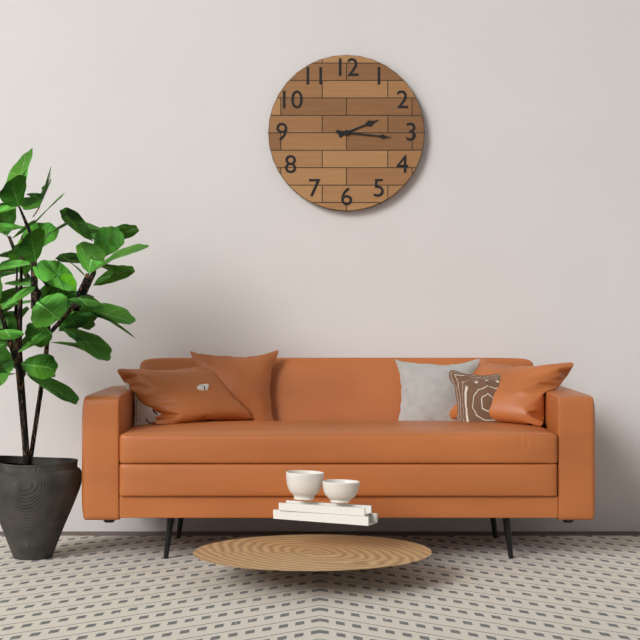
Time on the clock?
2:16
